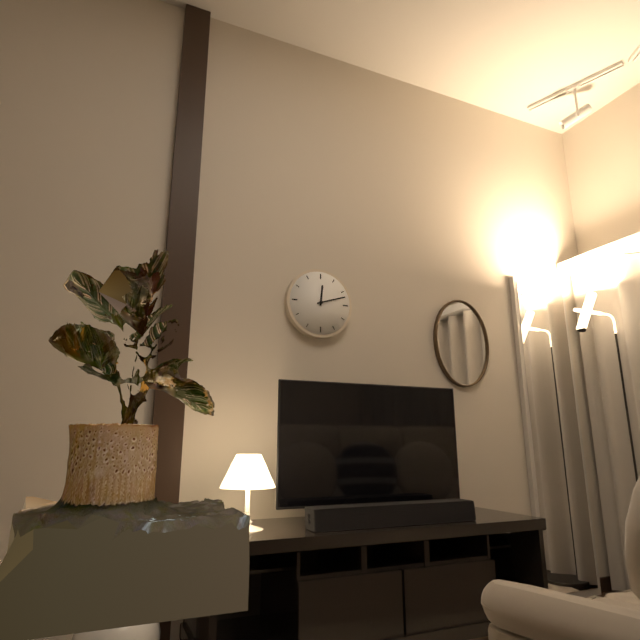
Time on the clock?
12:12
